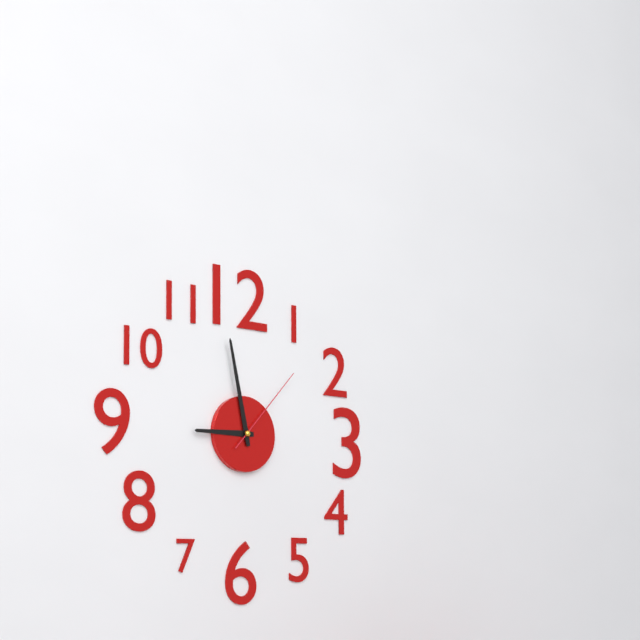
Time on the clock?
8:58:07
